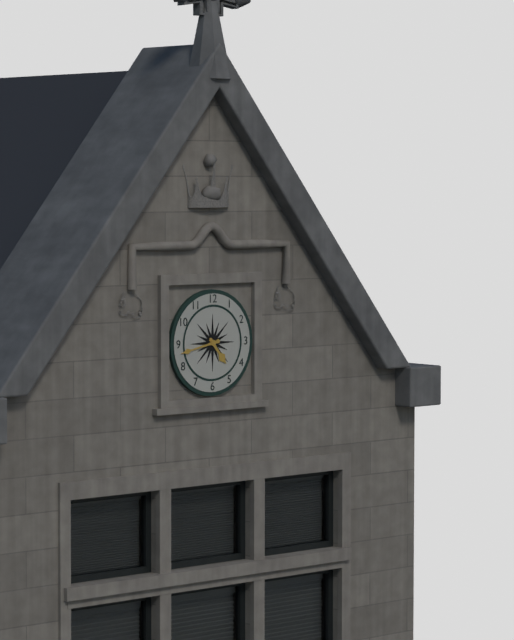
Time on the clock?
4:43
